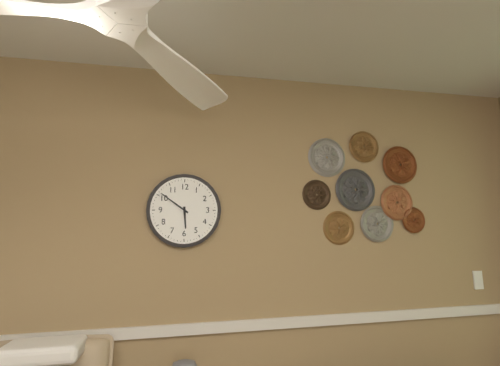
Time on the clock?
5:51
